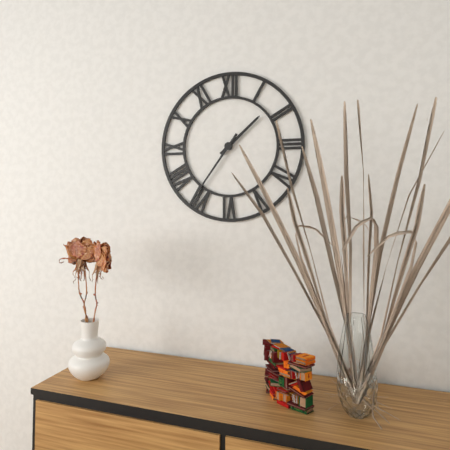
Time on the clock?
1:36
